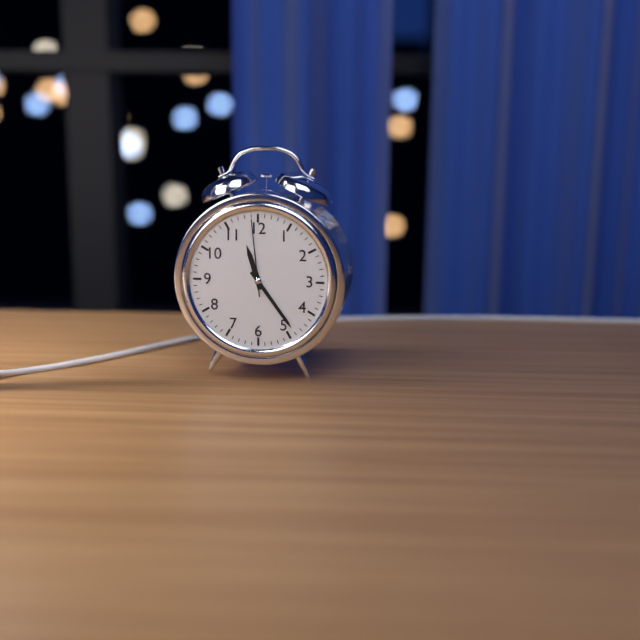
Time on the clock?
11:24:59
